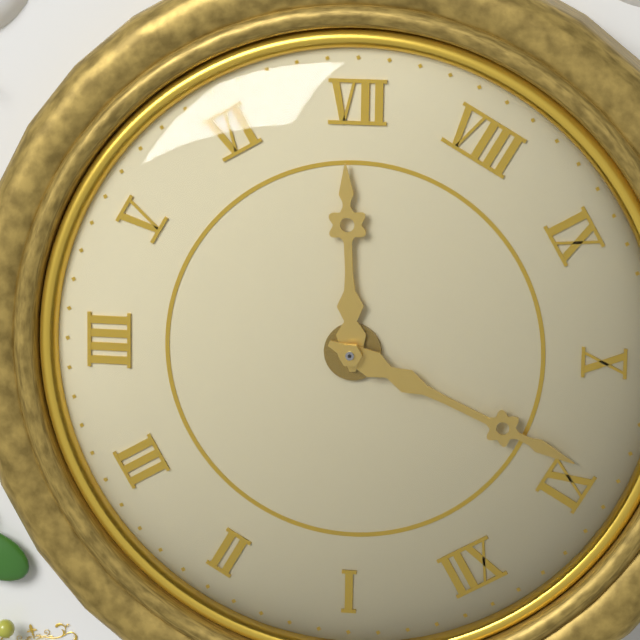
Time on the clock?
6:54
